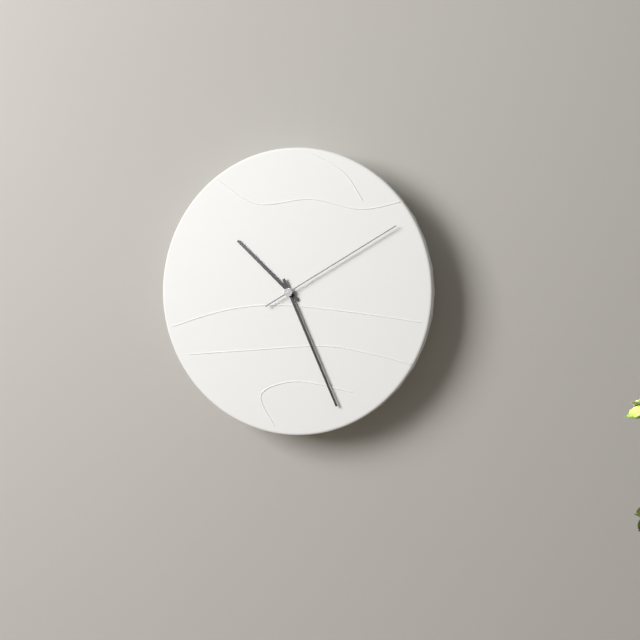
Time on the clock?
10:26:10
